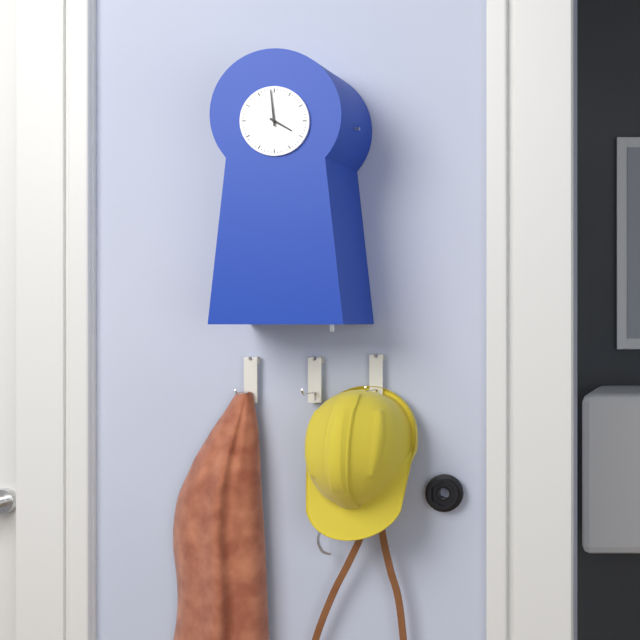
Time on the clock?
3:59
